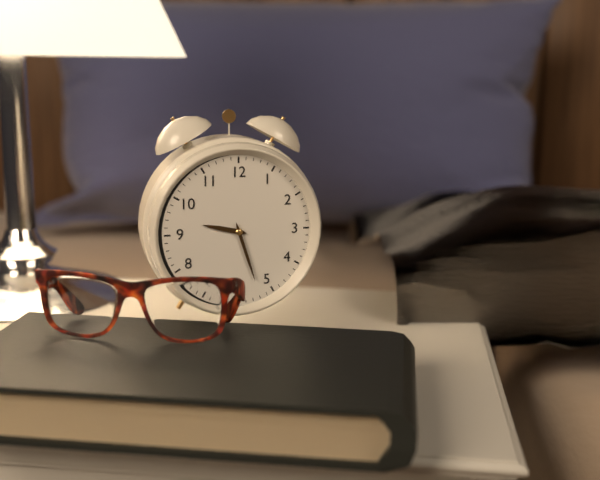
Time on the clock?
9:27
